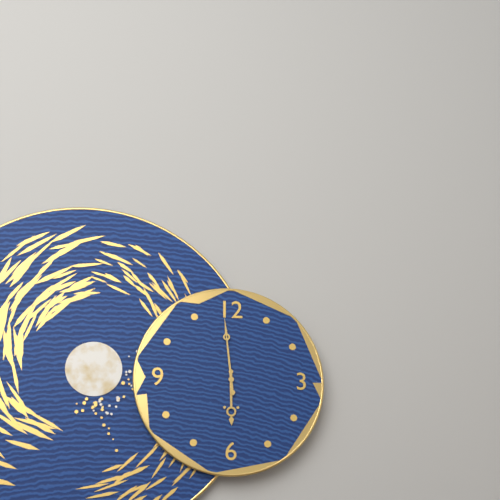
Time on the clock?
5:59
